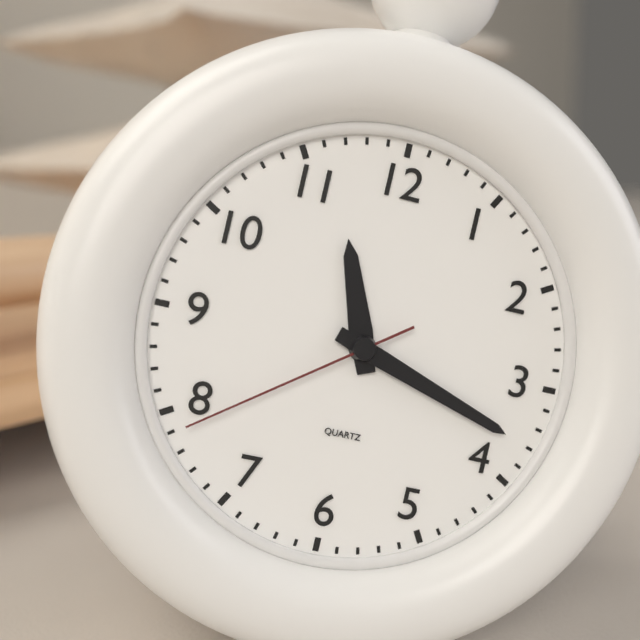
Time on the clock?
11:18:39
